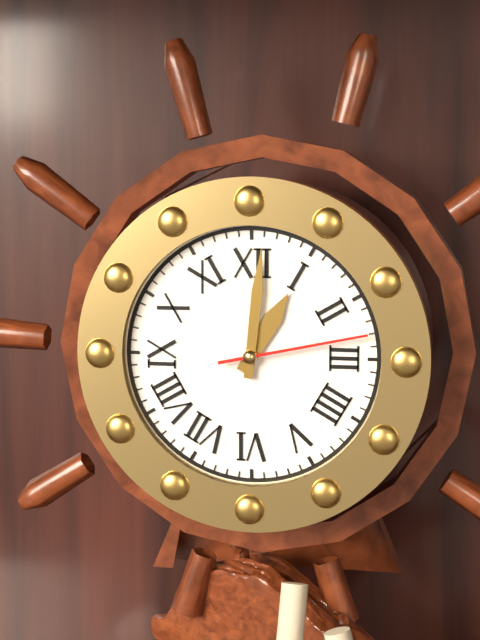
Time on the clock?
1:01:13
